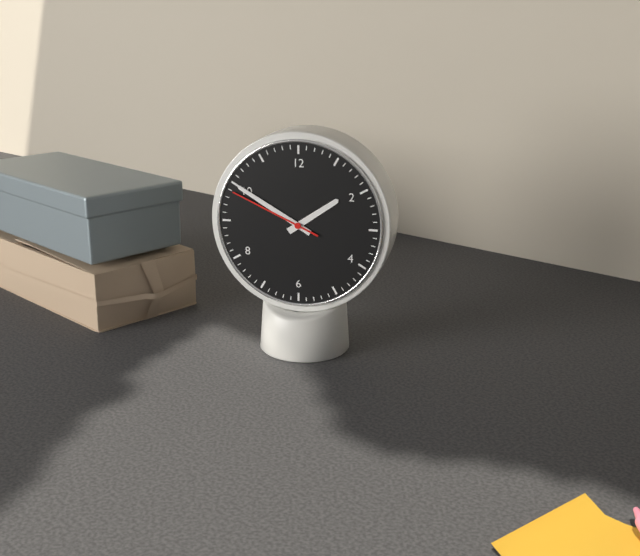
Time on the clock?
1:50:49
